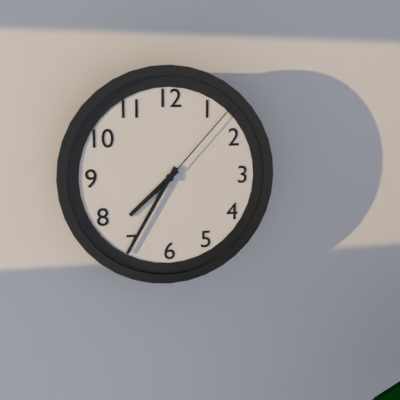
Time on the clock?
7:35:07
